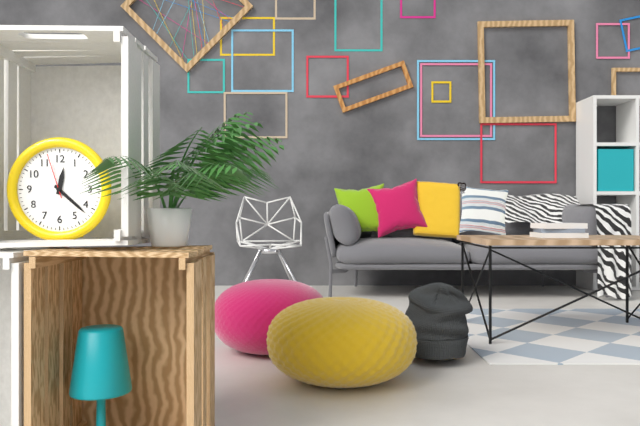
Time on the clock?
12:22
